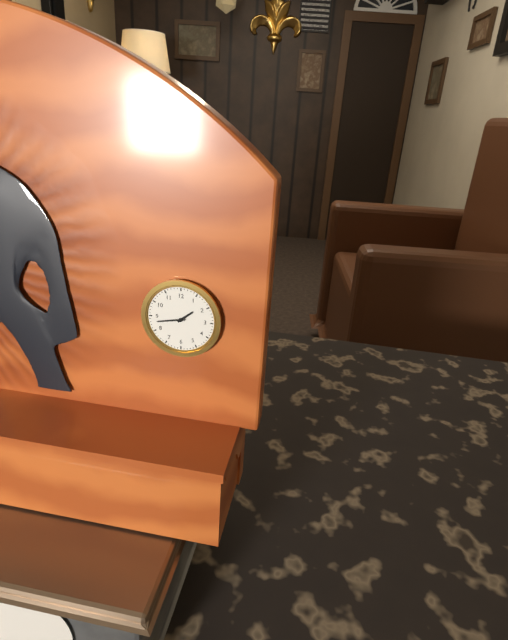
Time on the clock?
1:43
